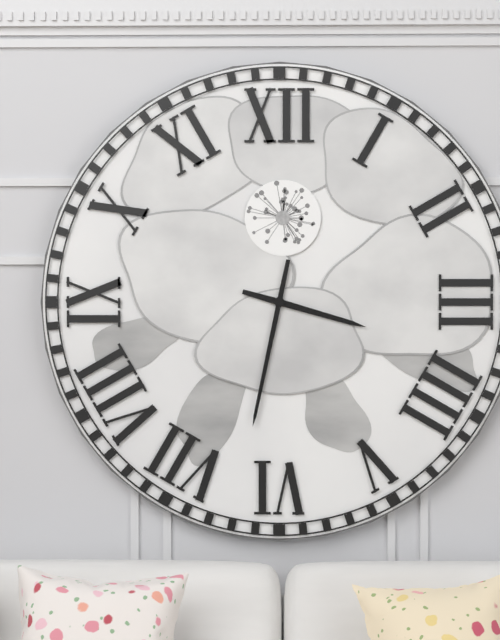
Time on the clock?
3:32
